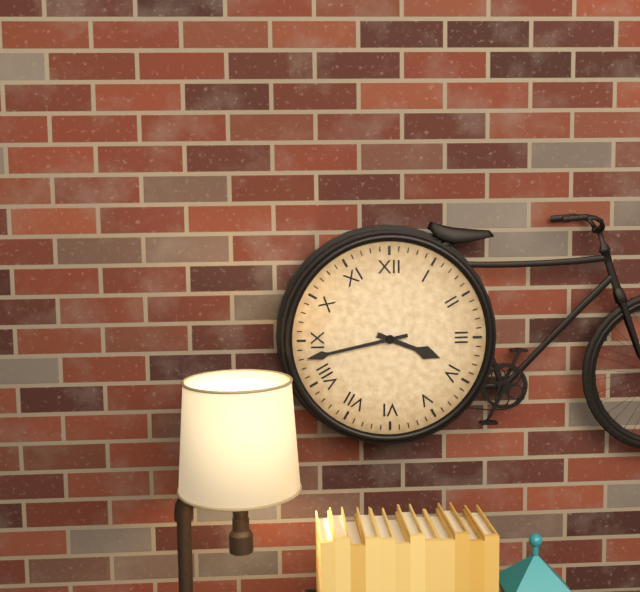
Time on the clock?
3:43
